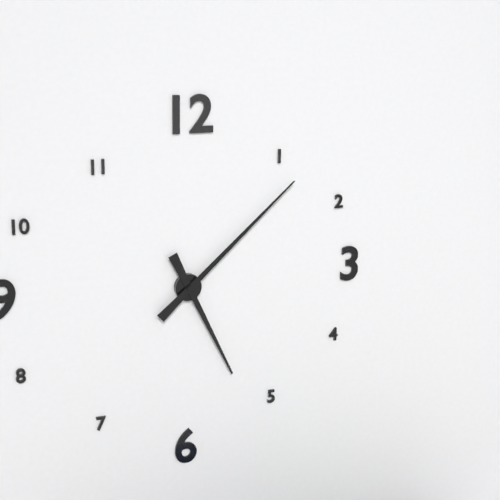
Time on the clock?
5:08
